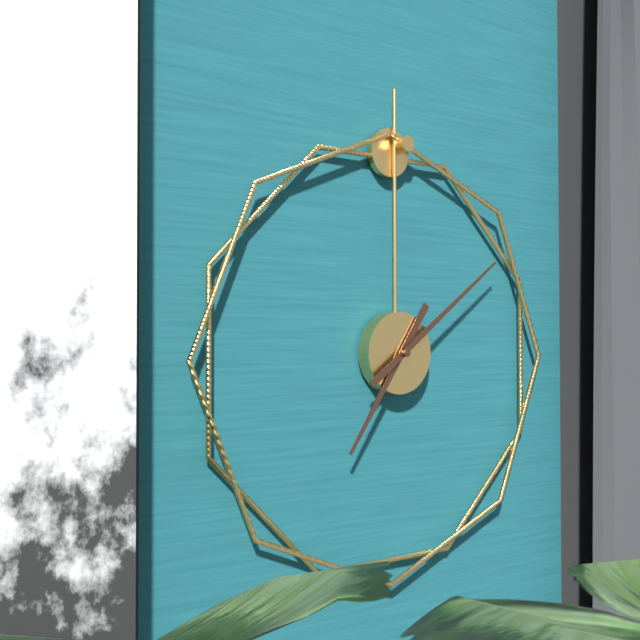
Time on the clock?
7:09
